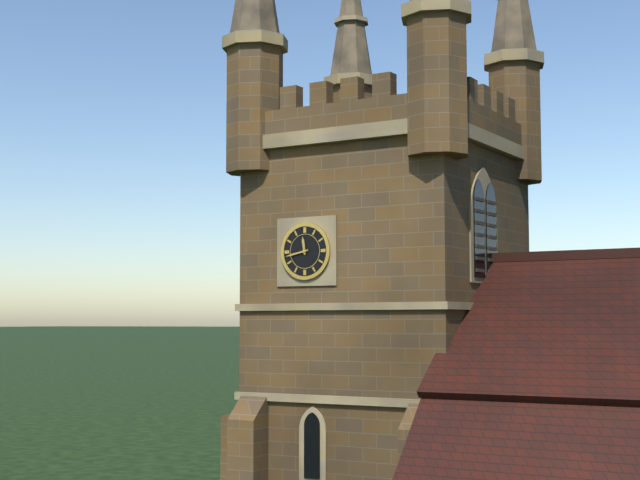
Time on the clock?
11:43
